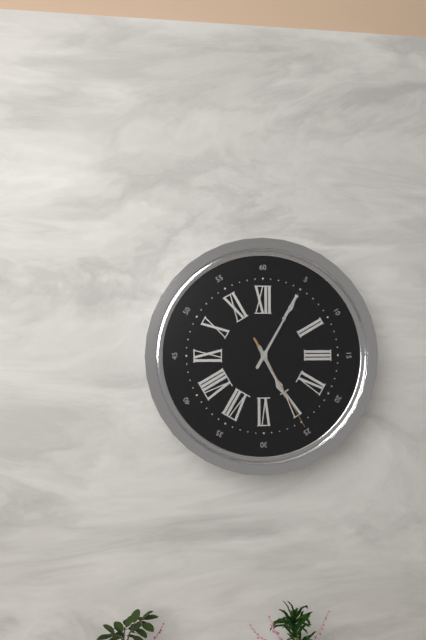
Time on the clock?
5:05:25
